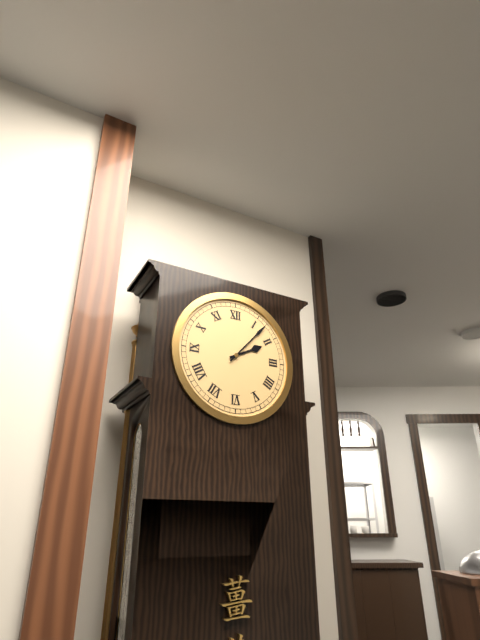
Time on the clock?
2:07
